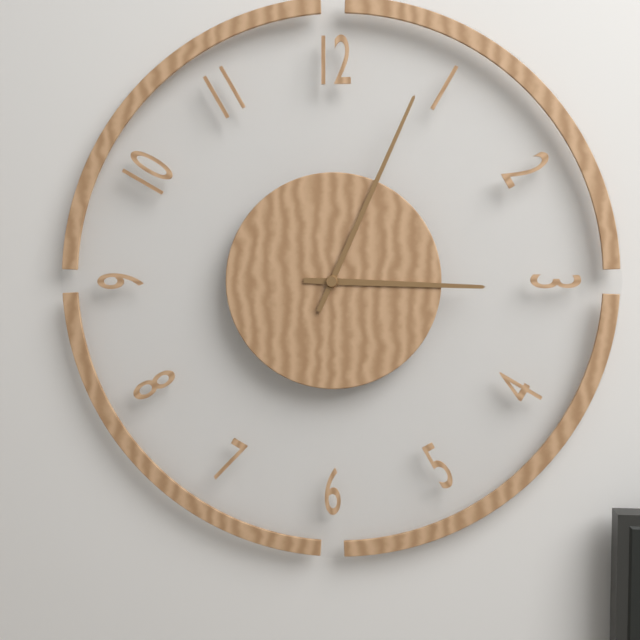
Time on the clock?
3:04
